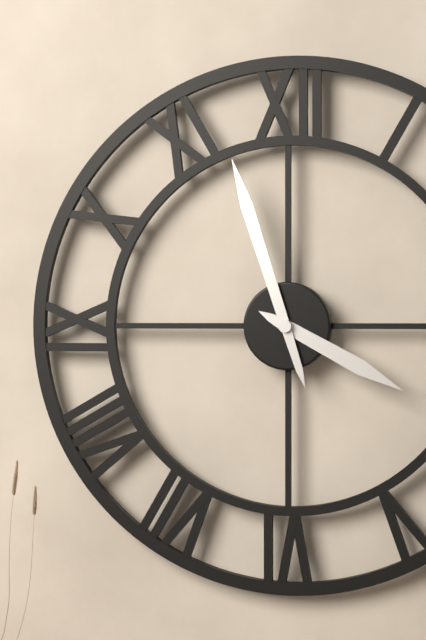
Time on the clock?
3:57
